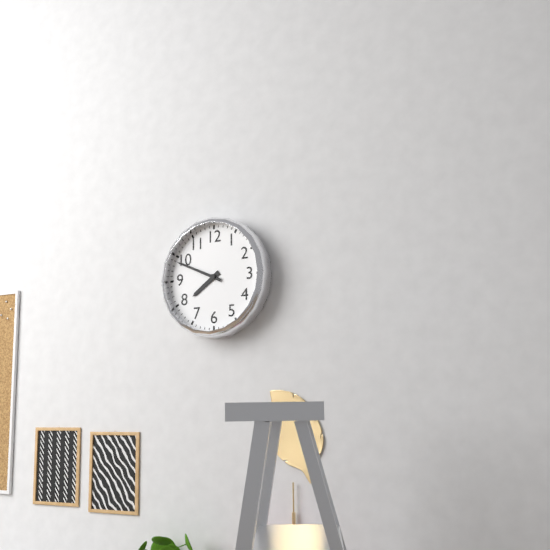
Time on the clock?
7:49
